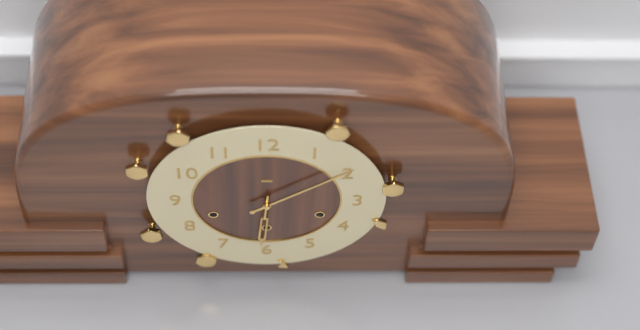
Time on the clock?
6:09
